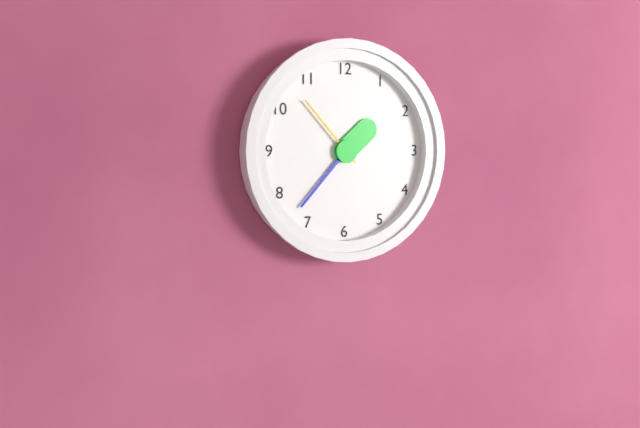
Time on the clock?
1:37:53
